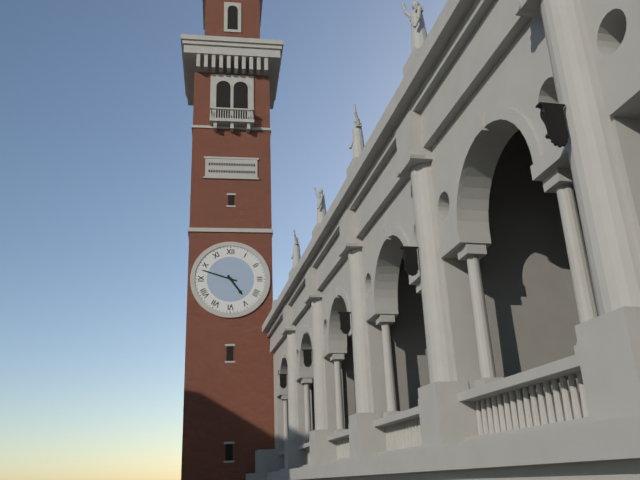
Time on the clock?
4:48
